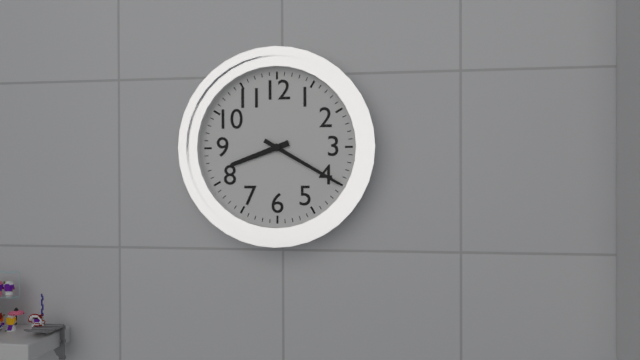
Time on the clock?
8:20
